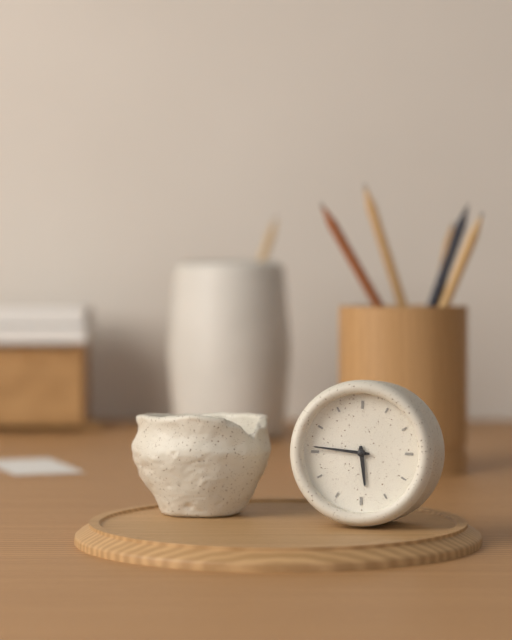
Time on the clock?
5:46
